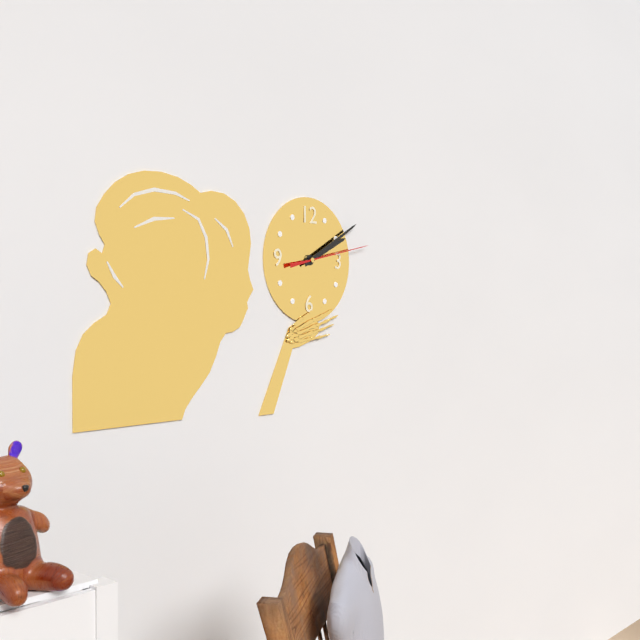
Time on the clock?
2:10:13
